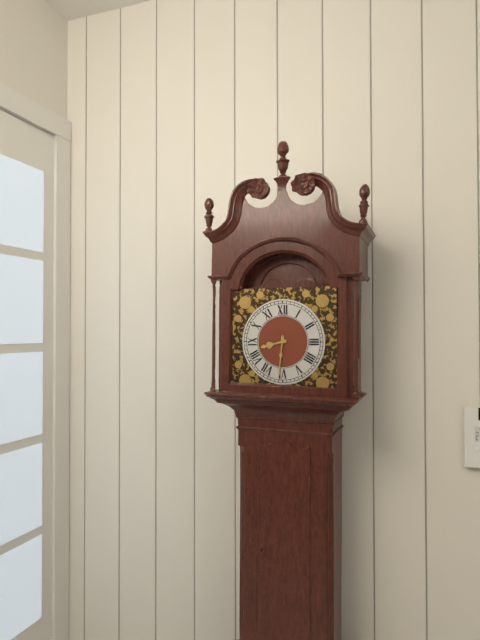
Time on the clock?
8:31
